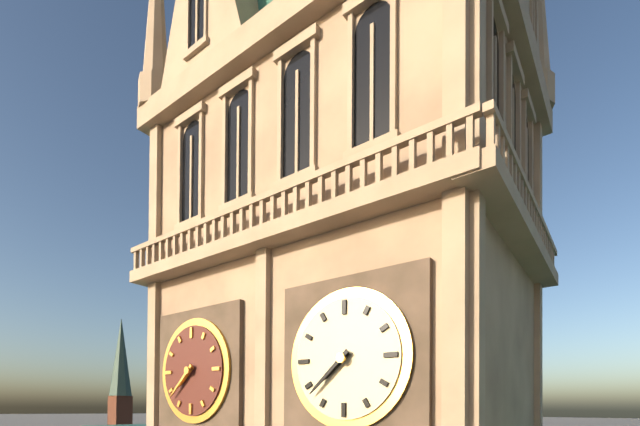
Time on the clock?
7:38
